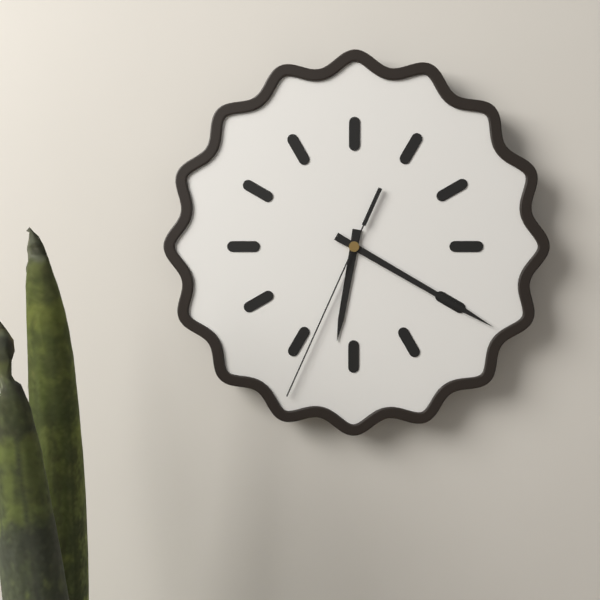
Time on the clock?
6:20:34
